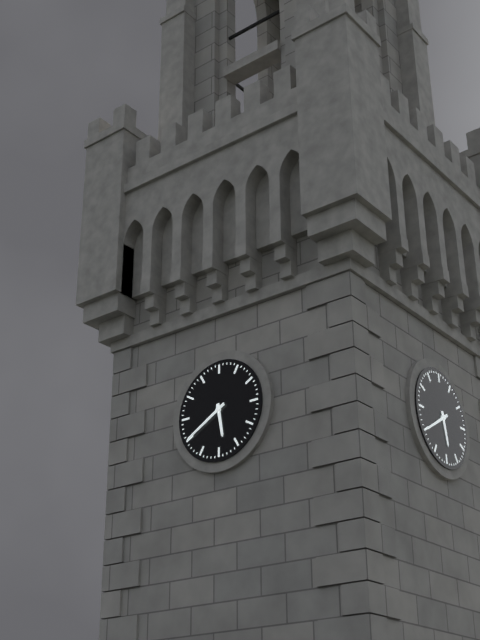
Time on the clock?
5:40
